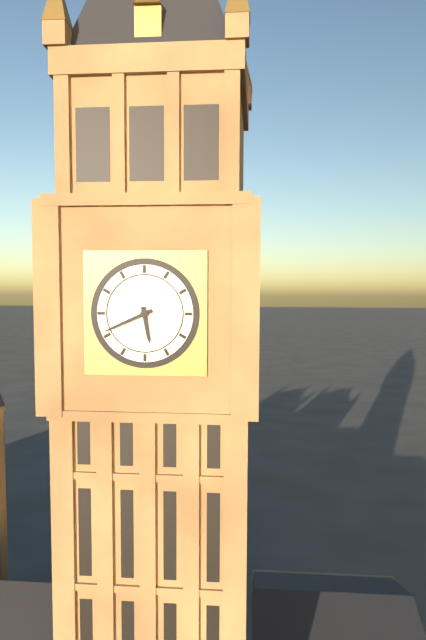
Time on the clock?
5:41
